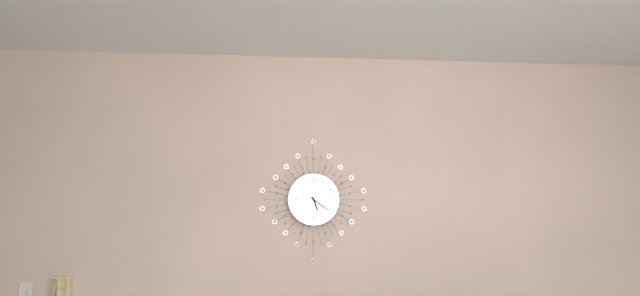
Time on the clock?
5:21
